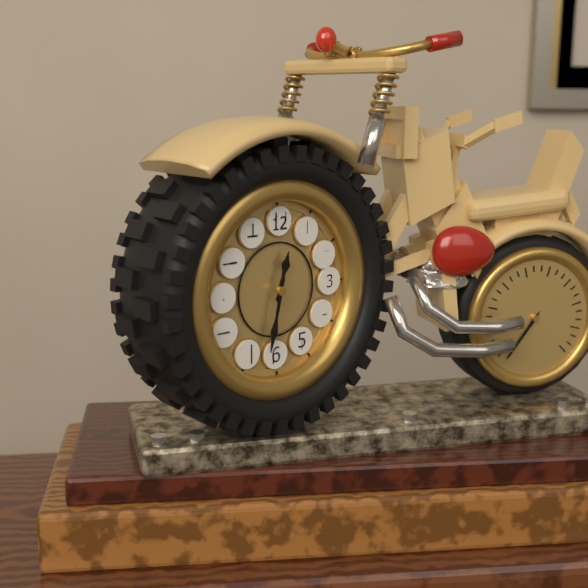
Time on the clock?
12:32
